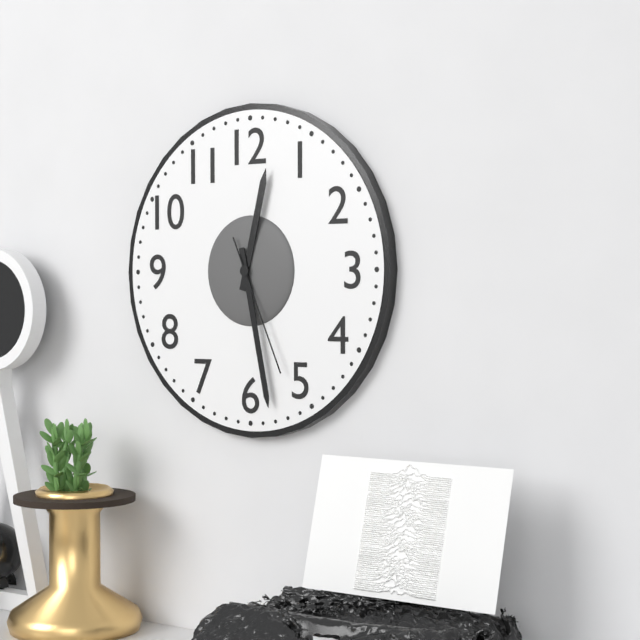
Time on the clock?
12:28:26
